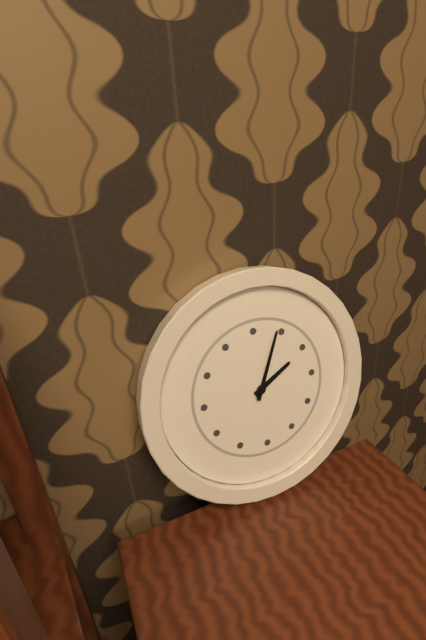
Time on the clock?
2:04
